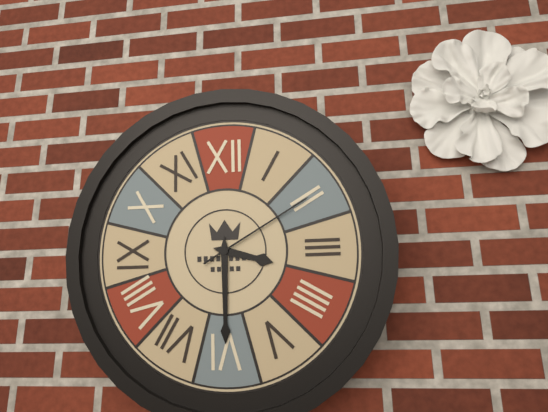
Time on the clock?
3:30:10
